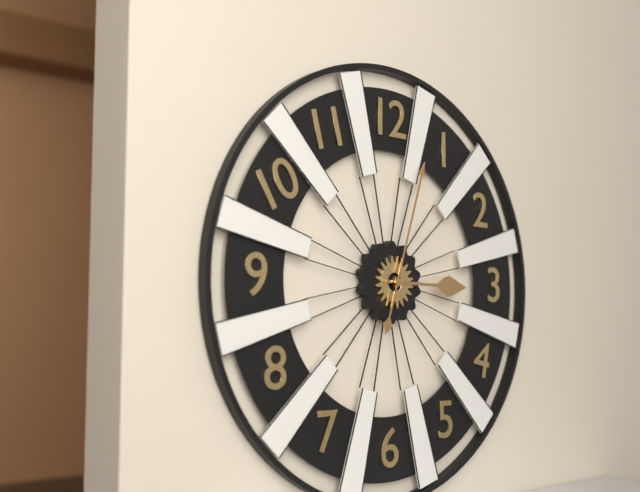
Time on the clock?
3:03
